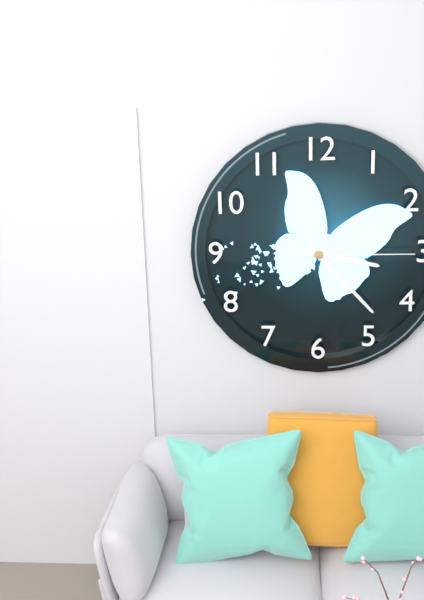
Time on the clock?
3:23:15
